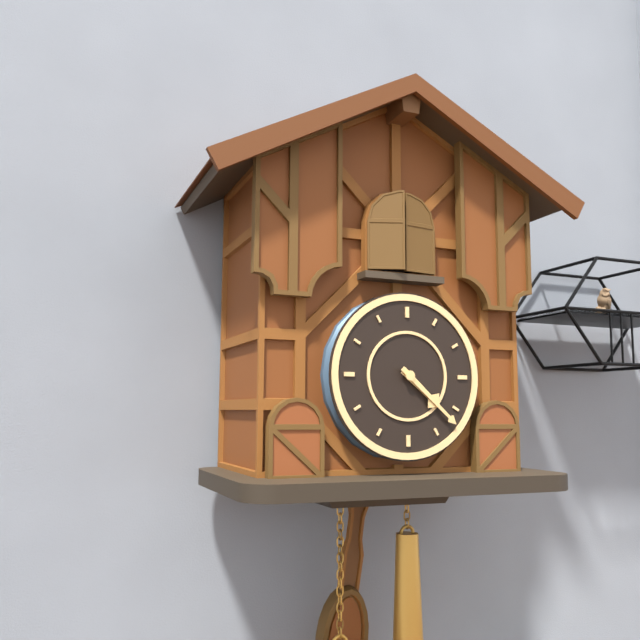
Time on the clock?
4:22
